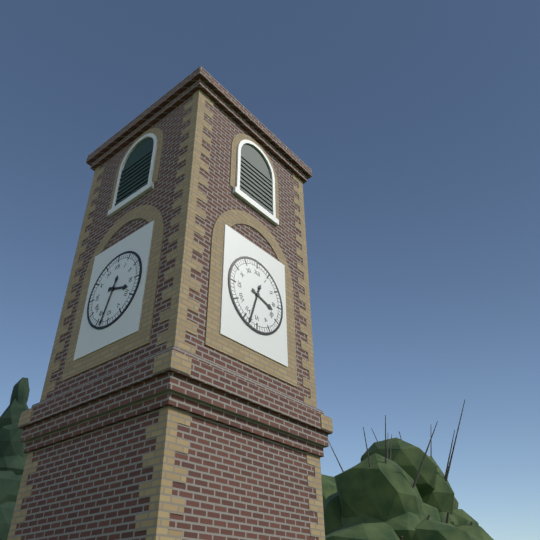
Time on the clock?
3:33
